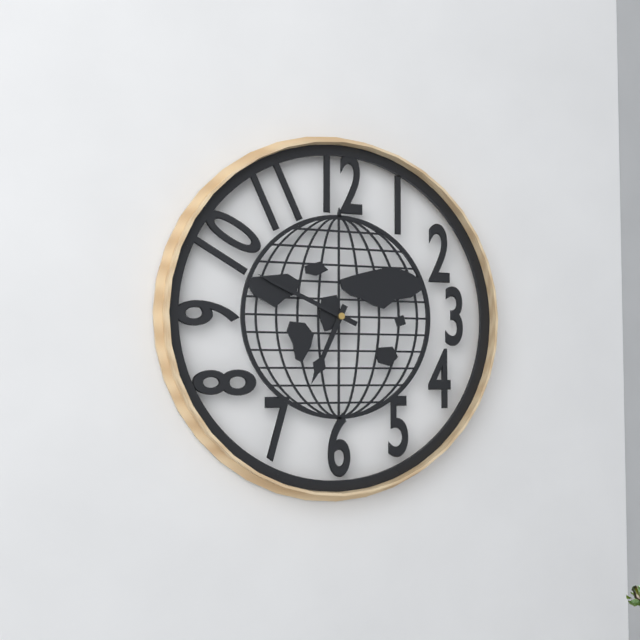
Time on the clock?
6:49
